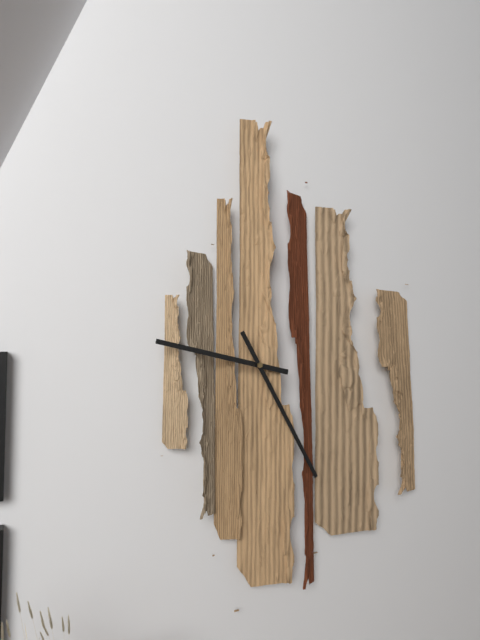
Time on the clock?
9:25
